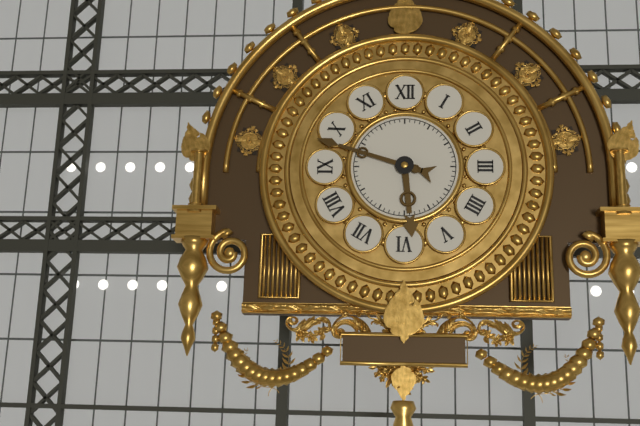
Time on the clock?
5:48
